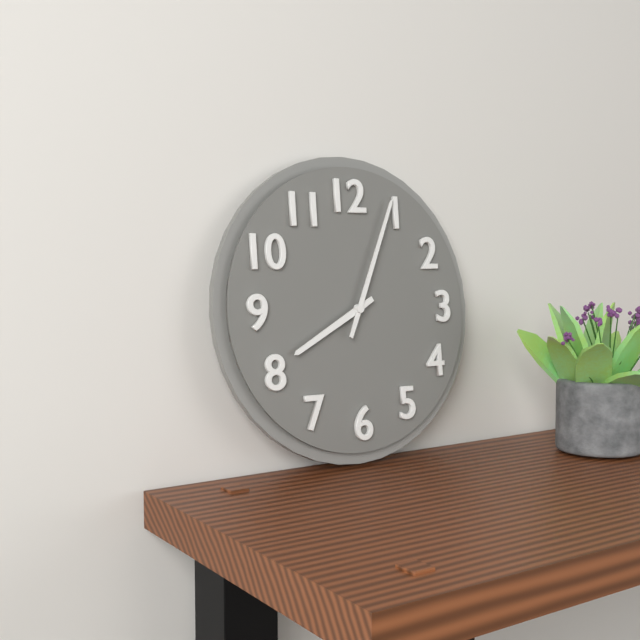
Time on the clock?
8:04
